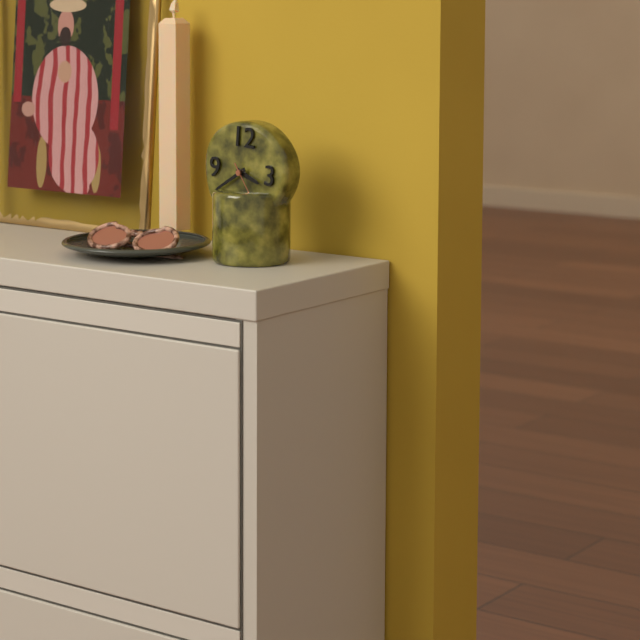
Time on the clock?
3:39
